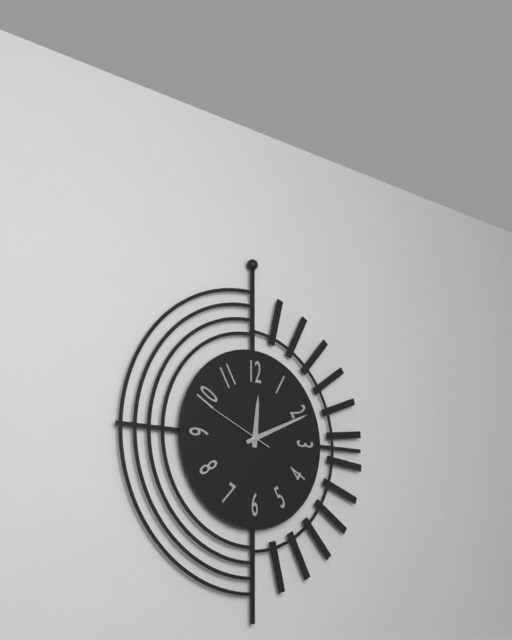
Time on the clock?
12:11:49
